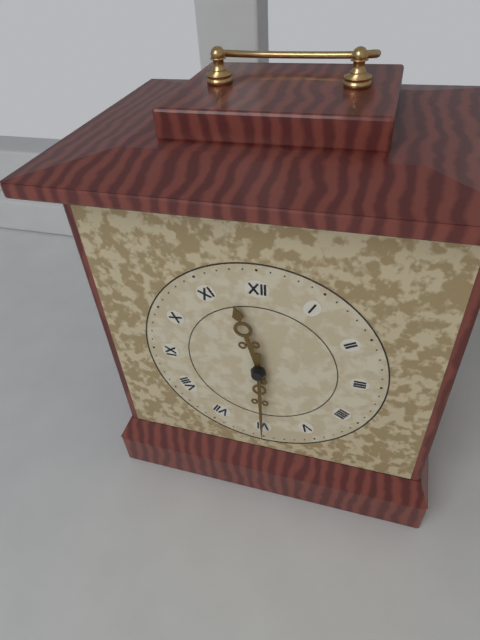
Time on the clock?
11:30
